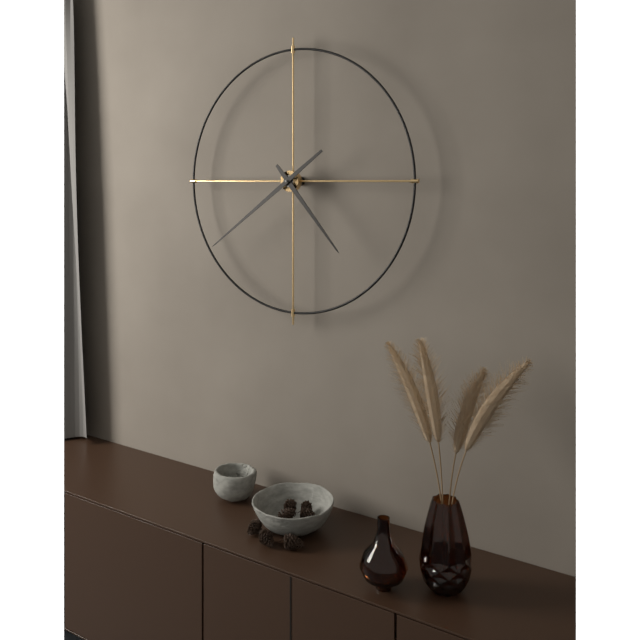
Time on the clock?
4:39
